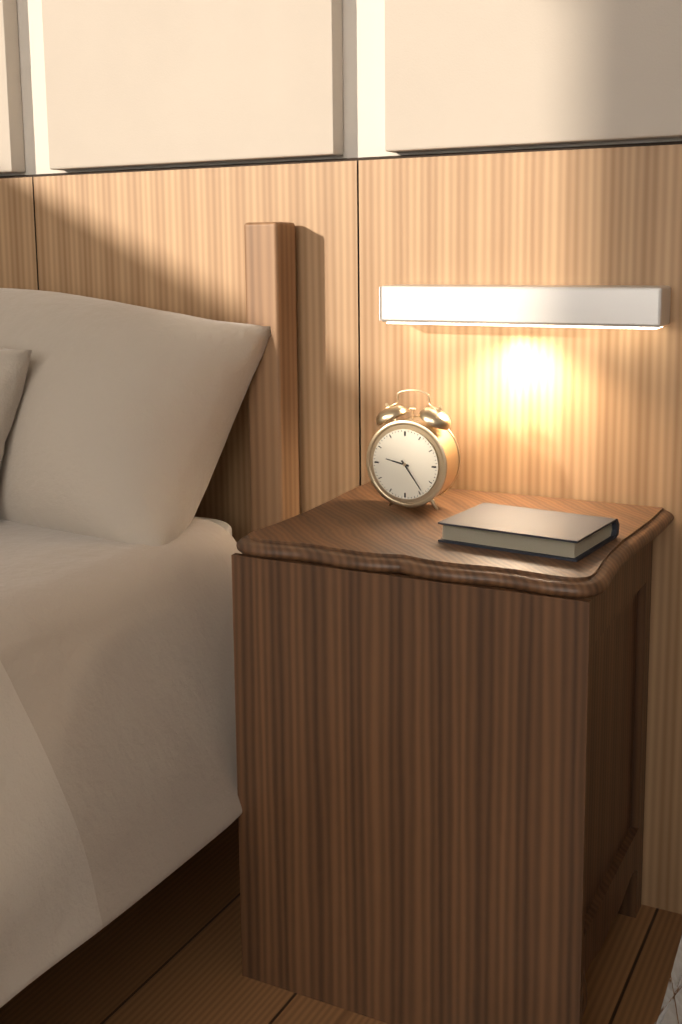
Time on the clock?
9:24
